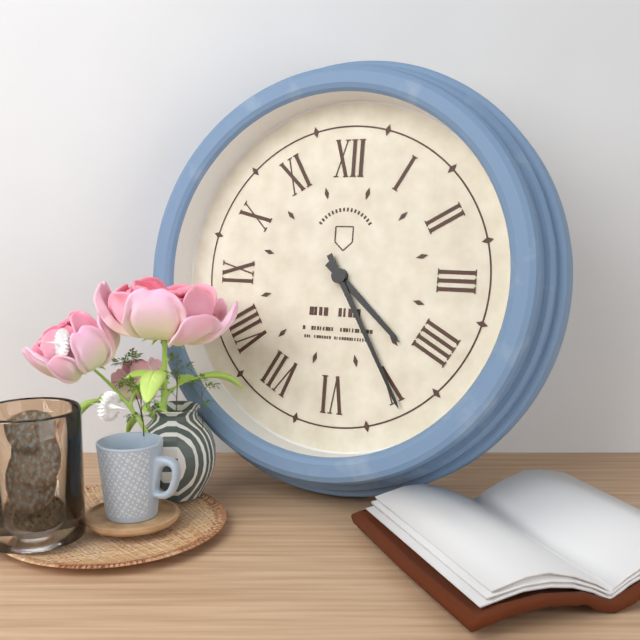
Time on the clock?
4:25
